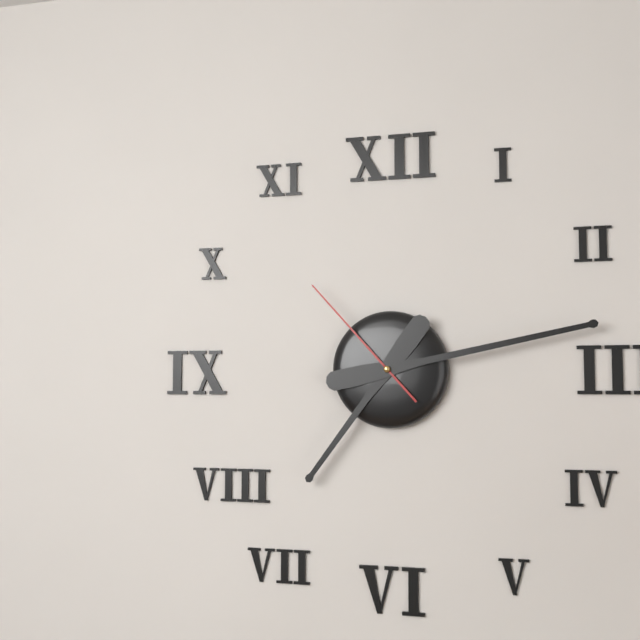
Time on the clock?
7:13:53
